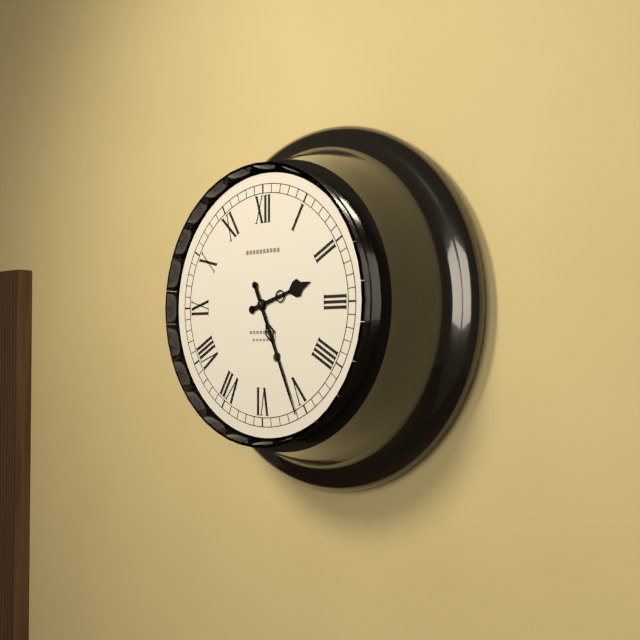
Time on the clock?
2:26
